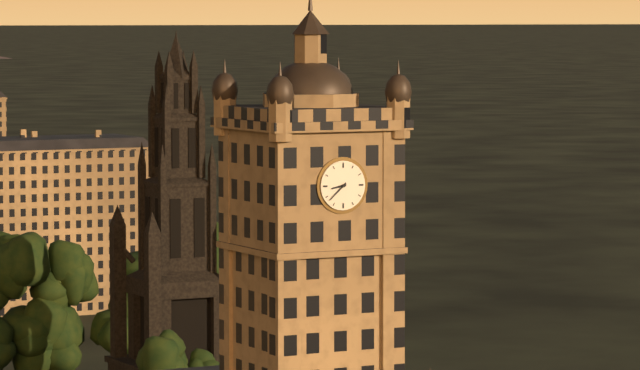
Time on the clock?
8:38
